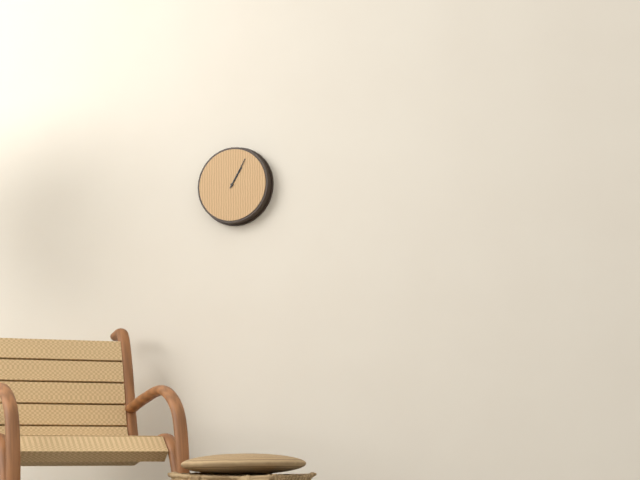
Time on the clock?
1:05
